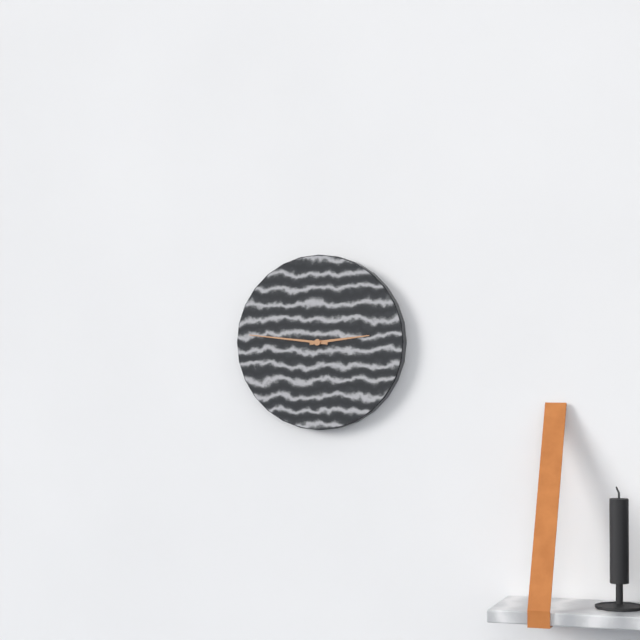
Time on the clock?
2:46
